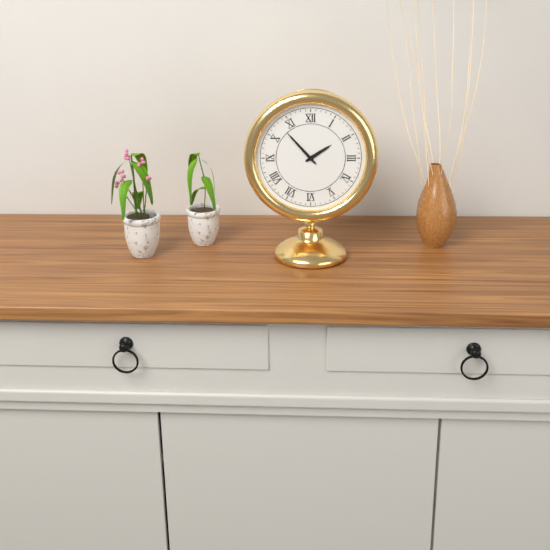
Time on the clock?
1:53
